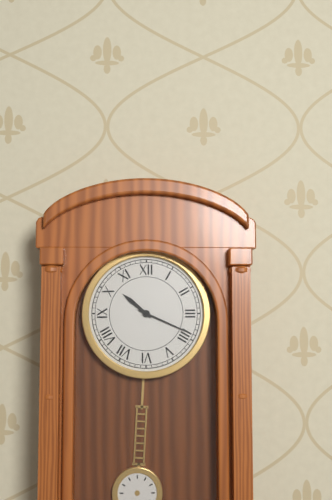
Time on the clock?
10:19
